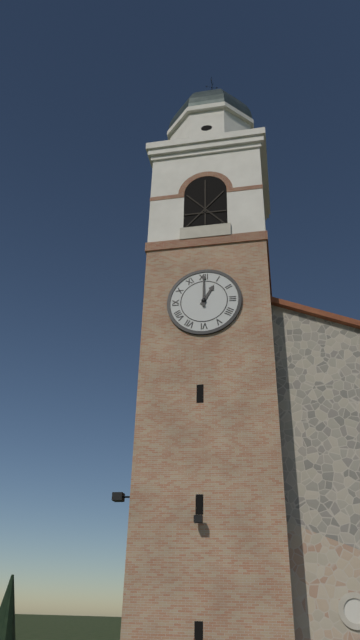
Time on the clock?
1:00
